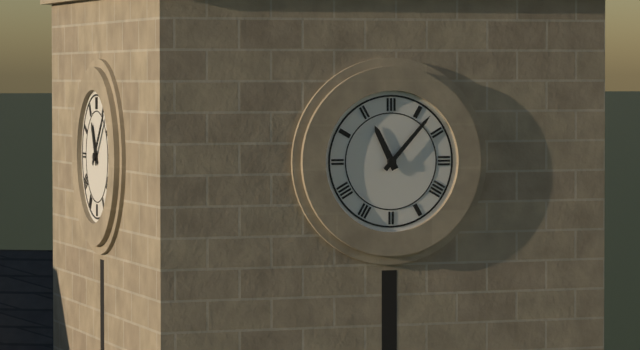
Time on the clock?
11:07
